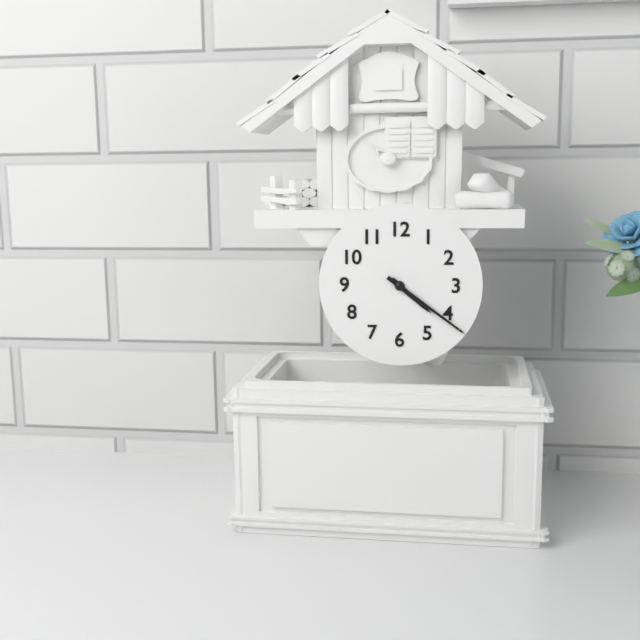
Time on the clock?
4:21
